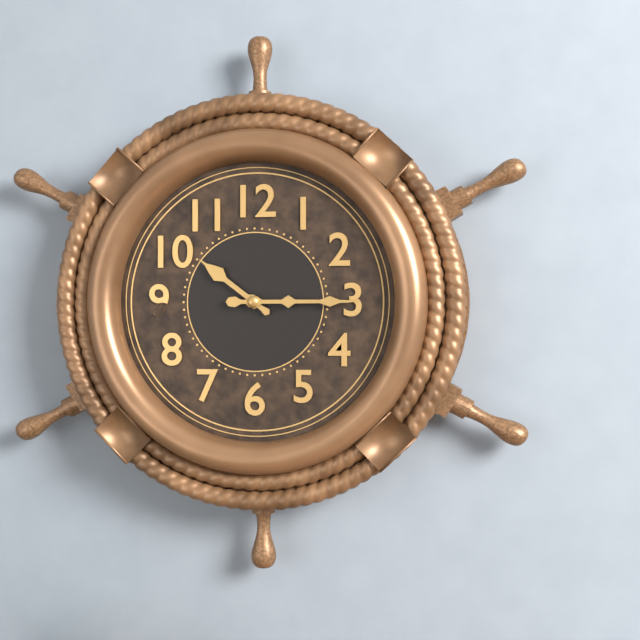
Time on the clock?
10:15
